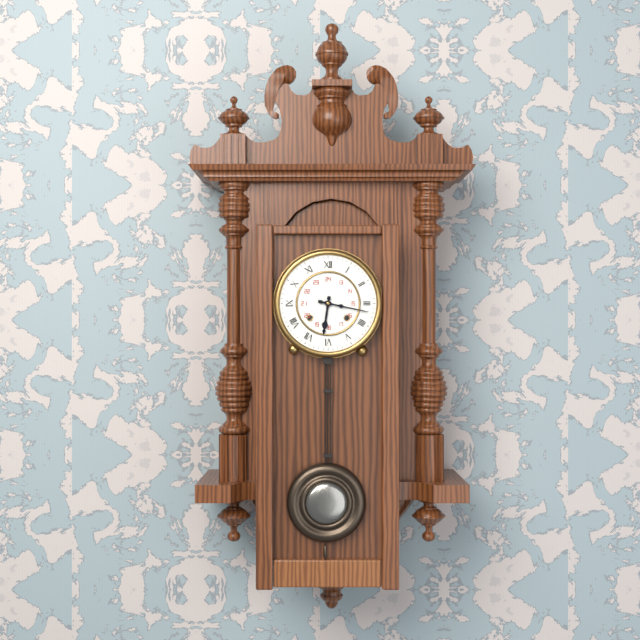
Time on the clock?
6:17
